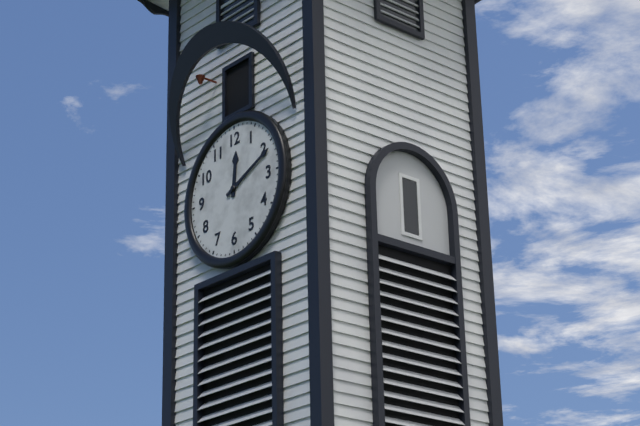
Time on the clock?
12:11
